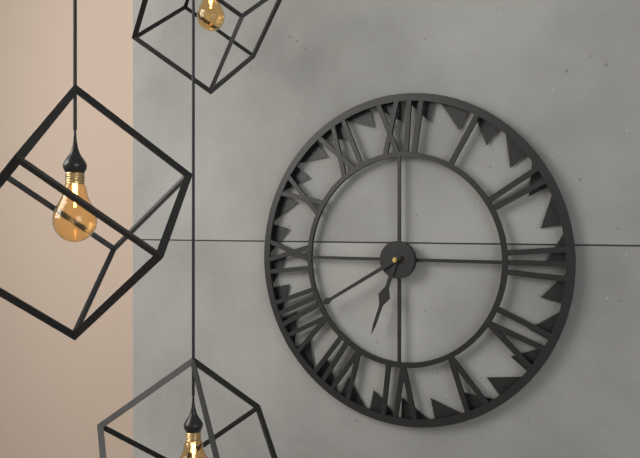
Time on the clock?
6:40
